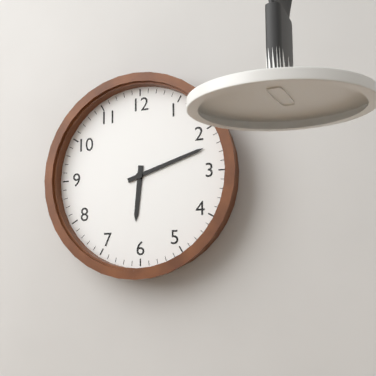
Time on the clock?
6:12
